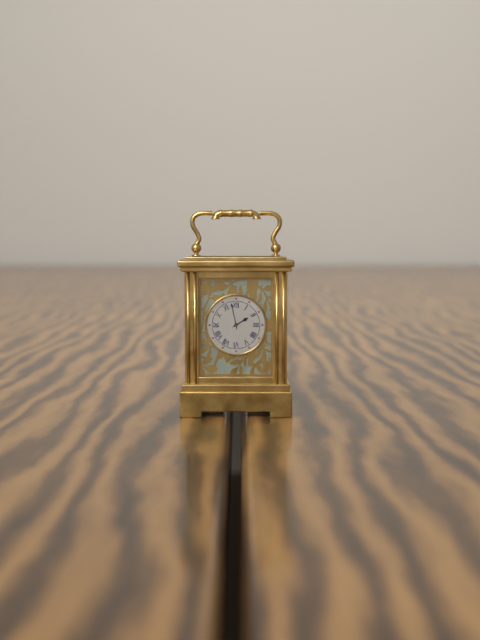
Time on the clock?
1:58
